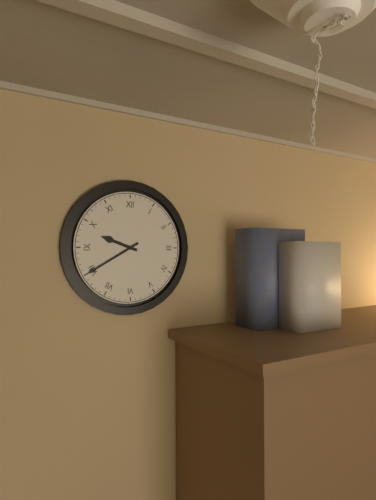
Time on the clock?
9:40
